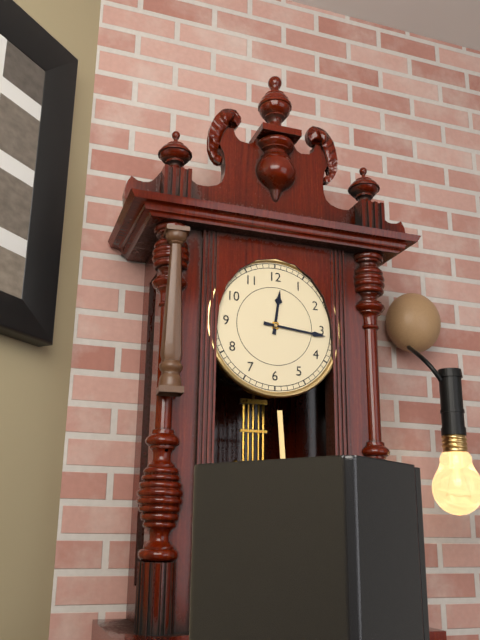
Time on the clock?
12:16
